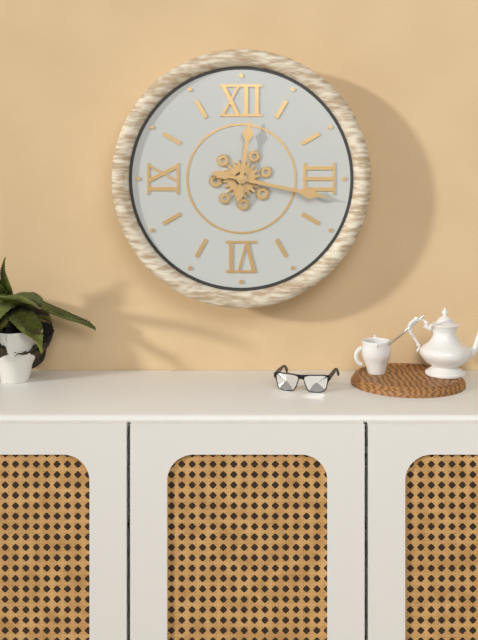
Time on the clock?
12:17
